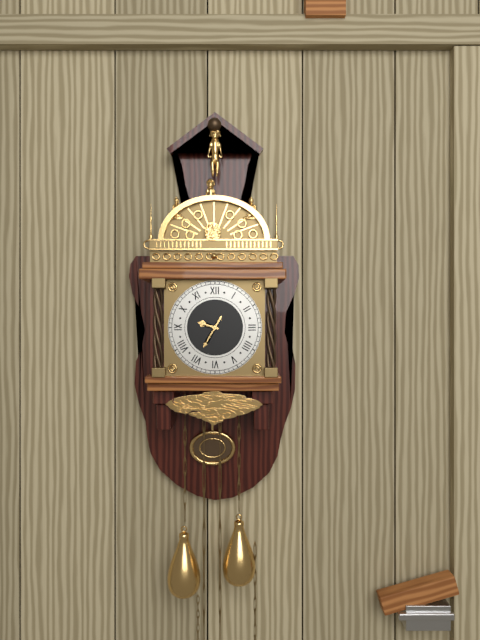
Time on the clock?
9:35
